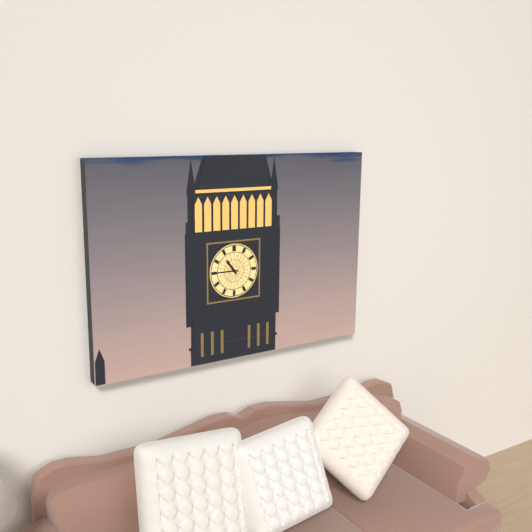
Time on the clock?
10:45
